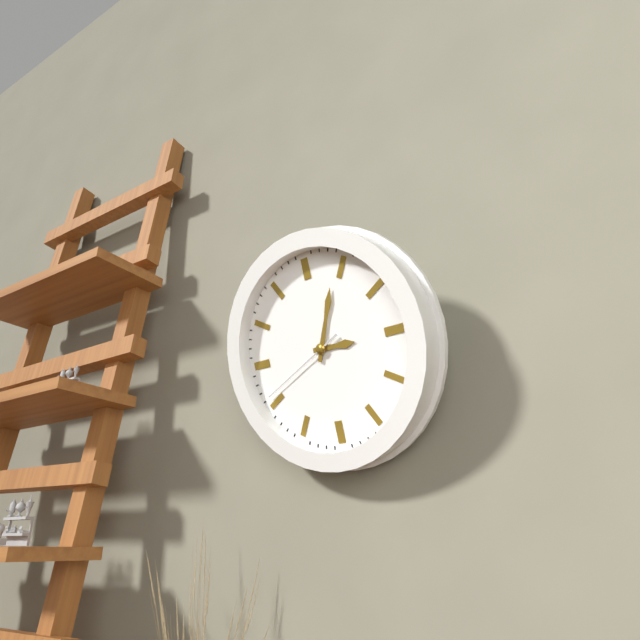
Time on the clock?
3:04:41
